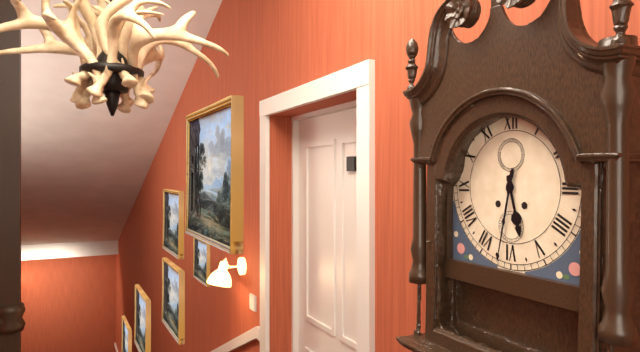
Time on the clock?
5:32
